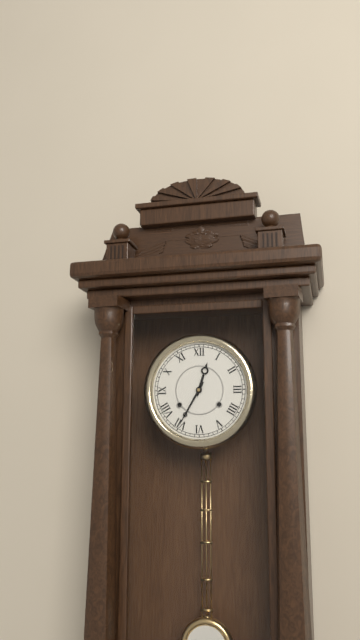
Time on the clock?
12:35
